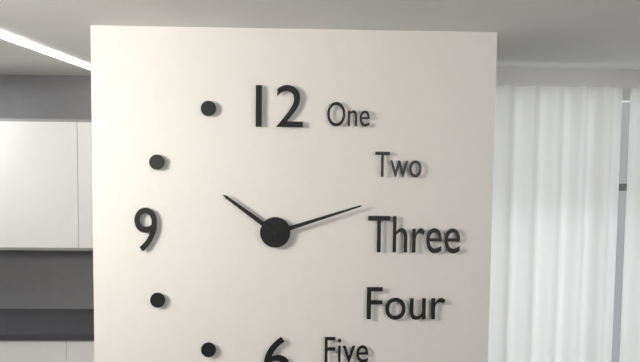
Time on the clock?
10:12
